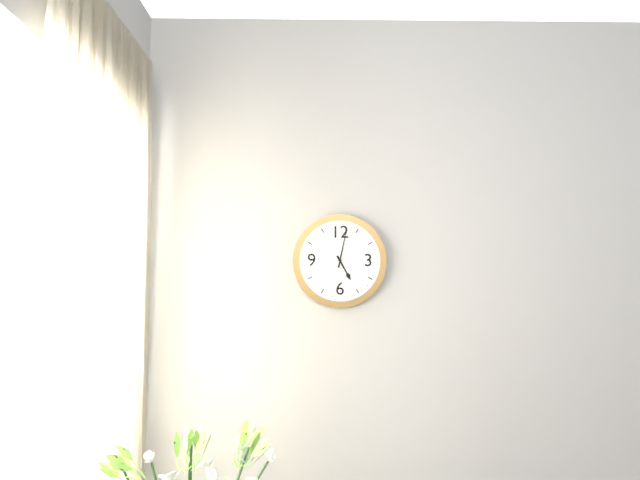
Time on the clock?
5:02
